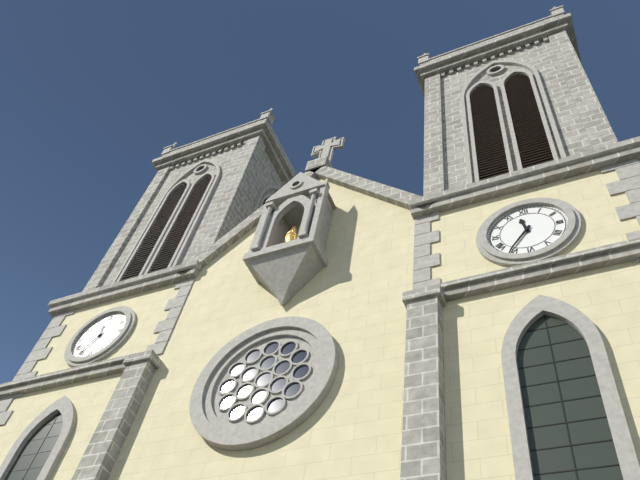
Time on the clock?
11:36
